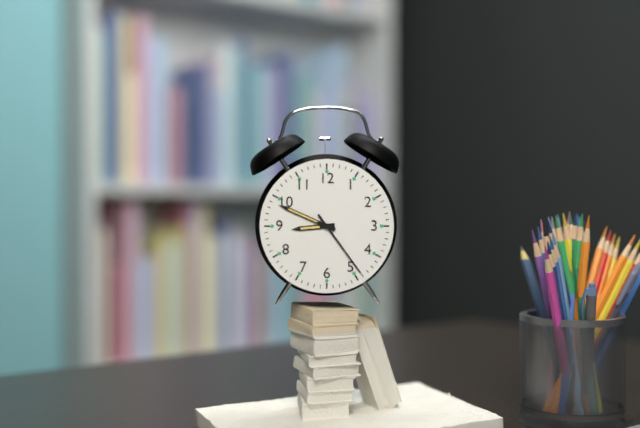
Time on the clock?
8:49:24
